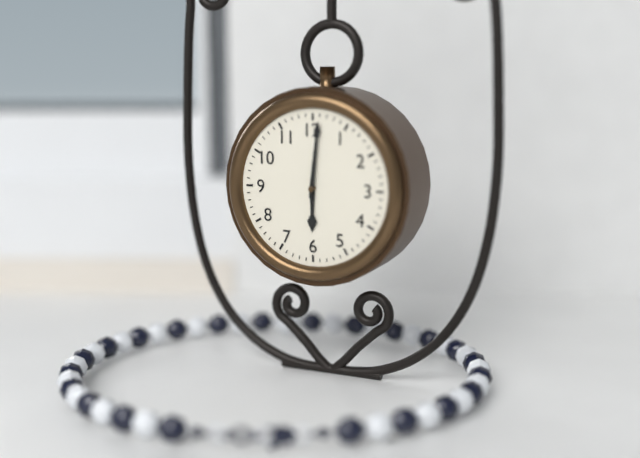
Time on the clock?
6:01
